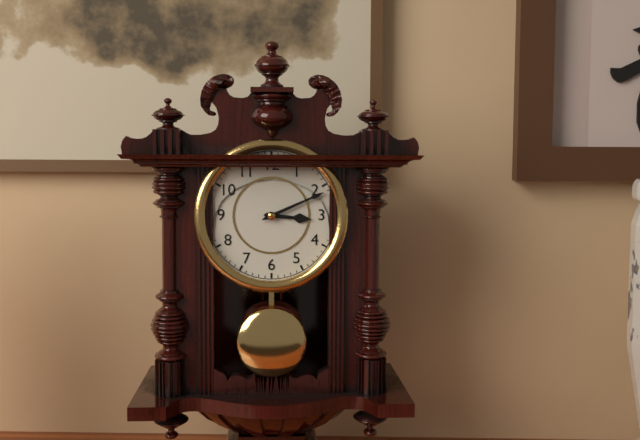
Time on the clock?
3:11
